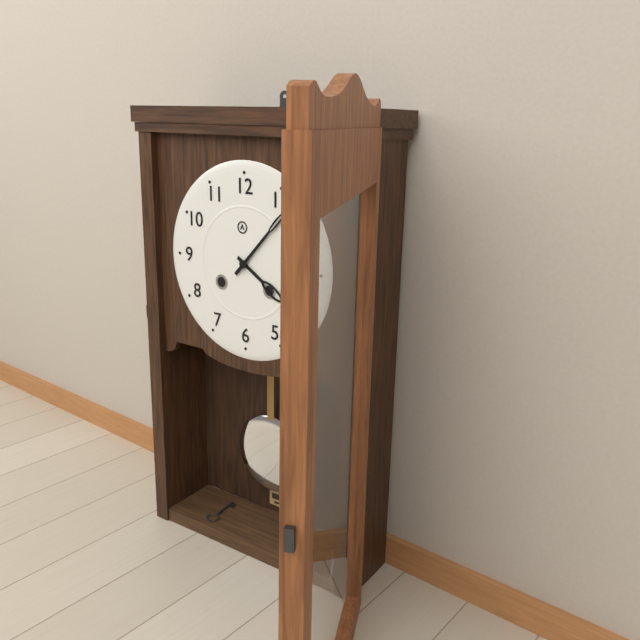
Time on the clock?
4:07
